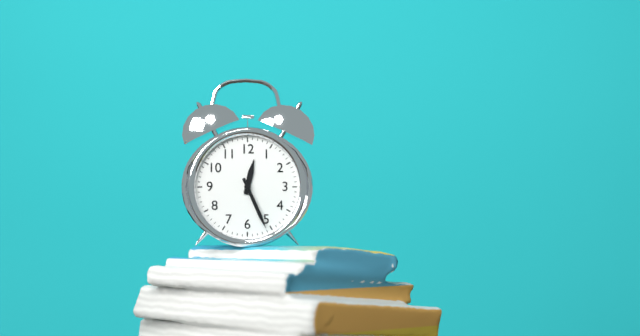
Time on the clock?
12:26
